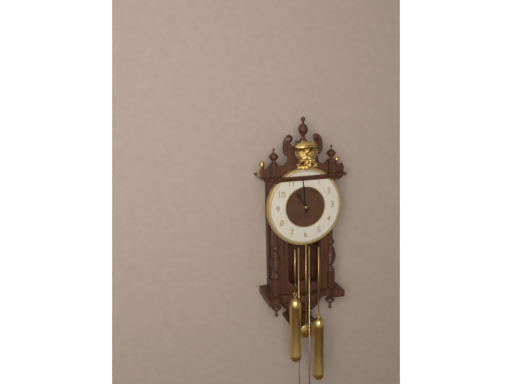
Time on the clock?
10:59
